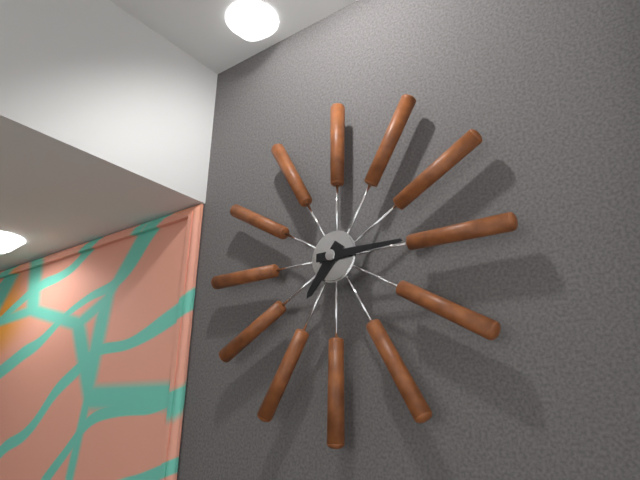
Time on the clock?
7:15
